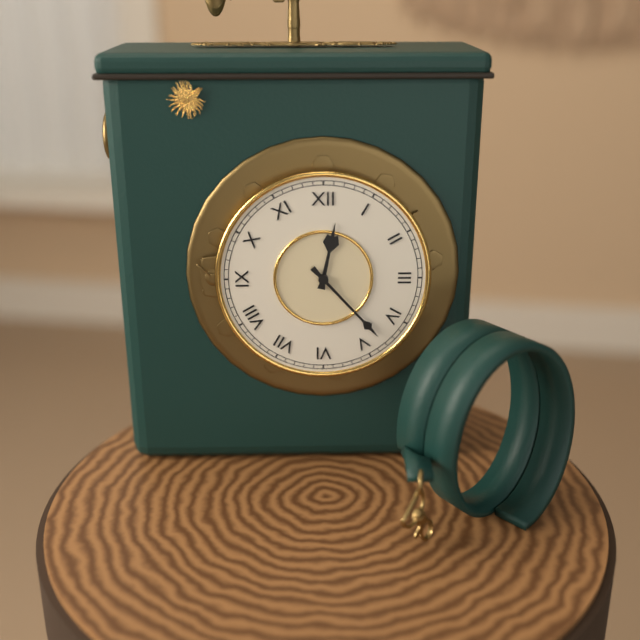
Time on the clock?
12:23
